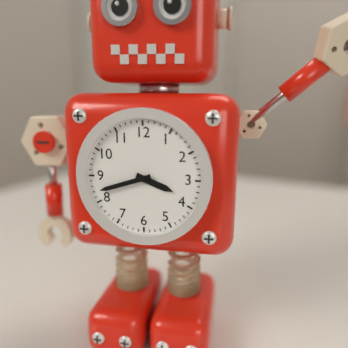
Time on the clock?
3:42
